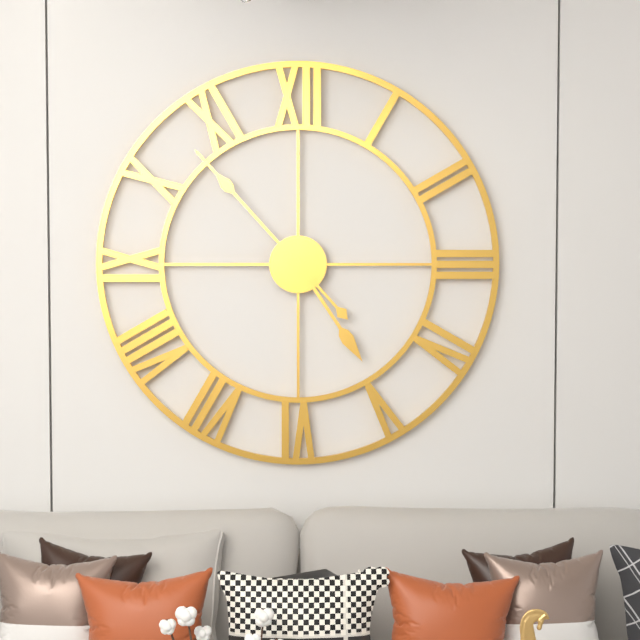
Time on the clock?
4:53
